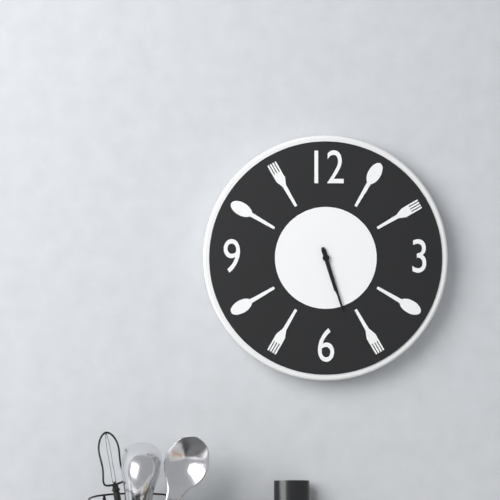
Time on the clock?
5:27
